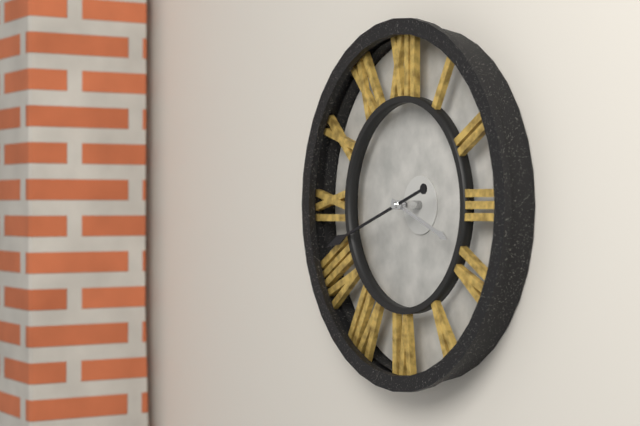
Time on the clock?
3:42
